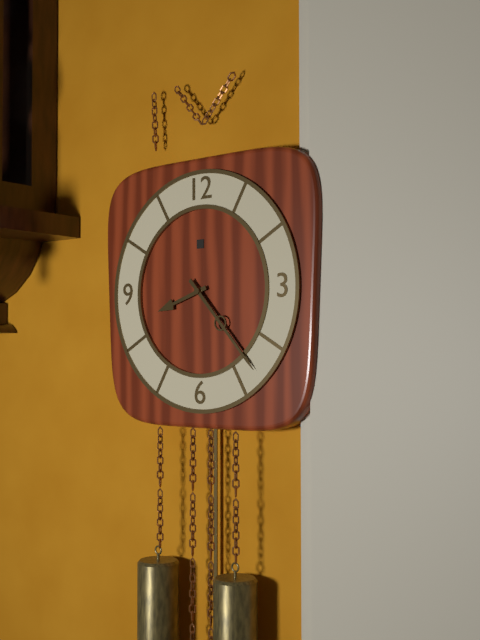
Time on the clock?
8:23
